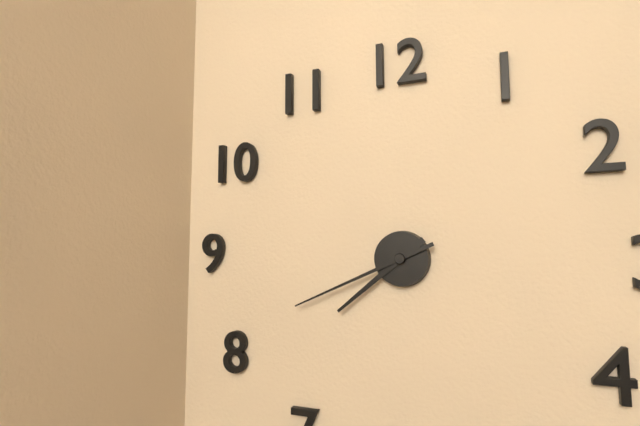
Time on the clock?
7:41
